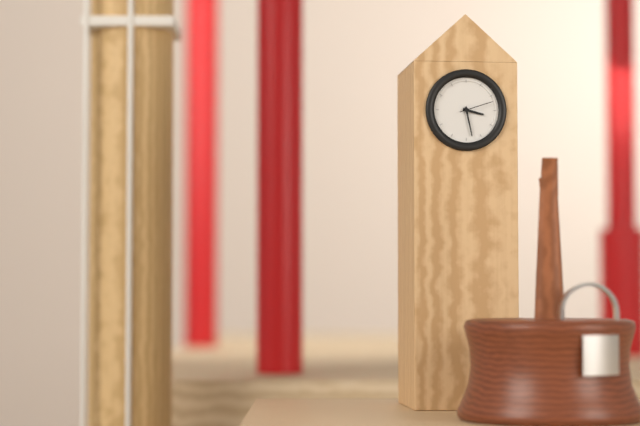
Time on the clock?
3:28
